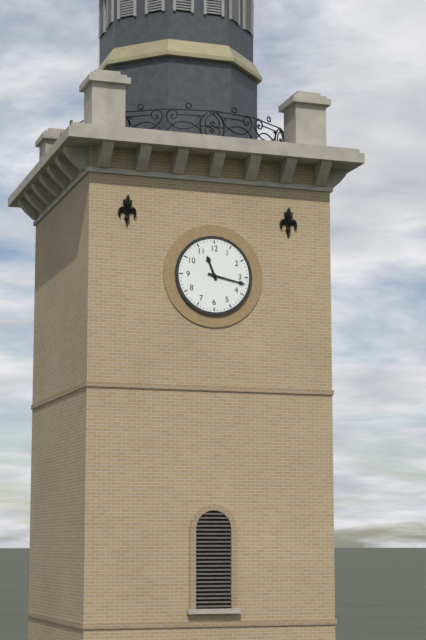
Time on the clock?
11:17
